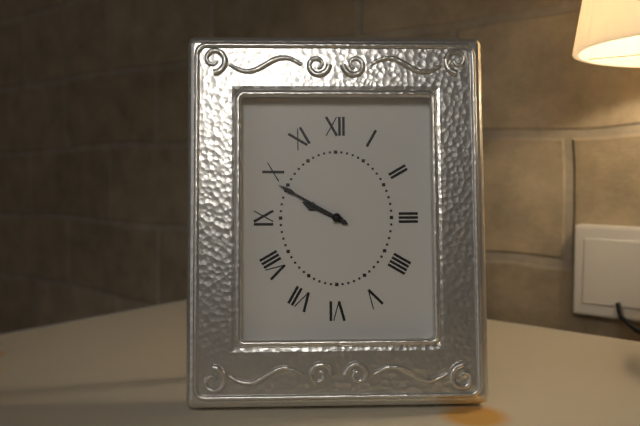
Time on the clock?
9:50
